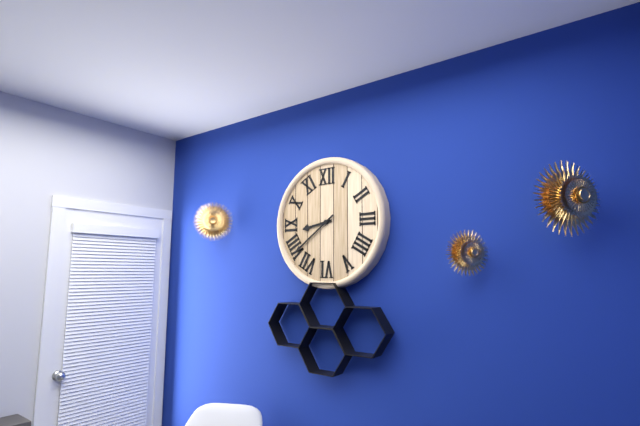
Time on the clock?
8:39
